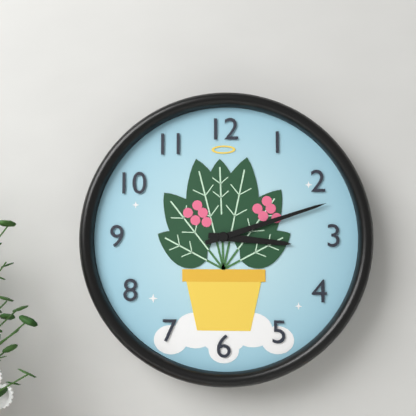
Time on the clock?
3:12
